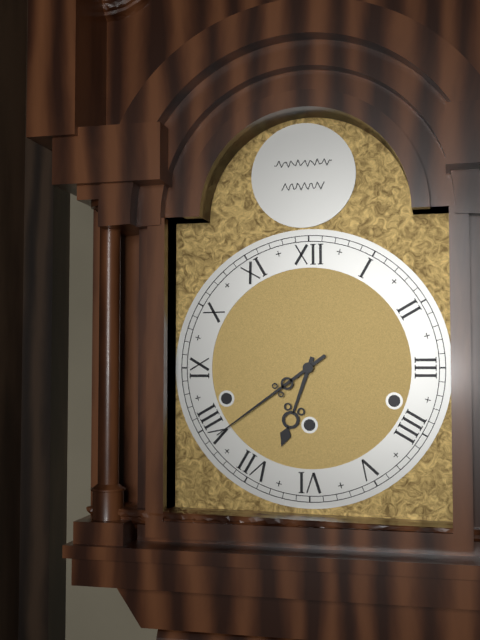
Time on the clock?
6:39
